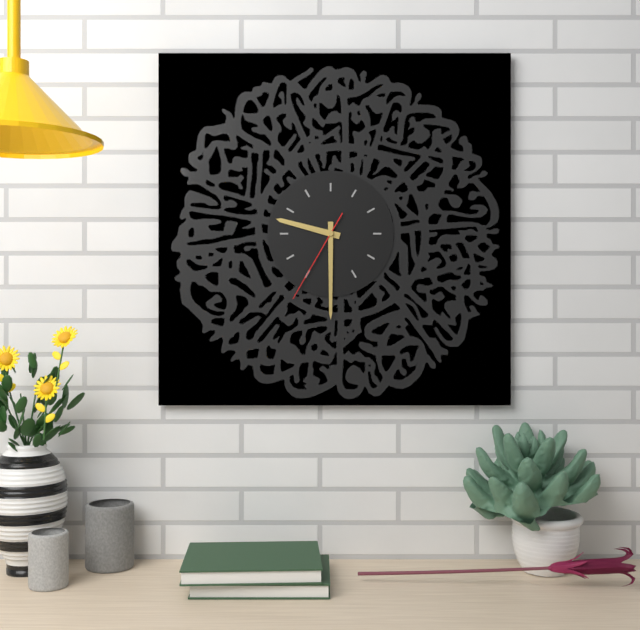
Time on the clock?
9:30:35
